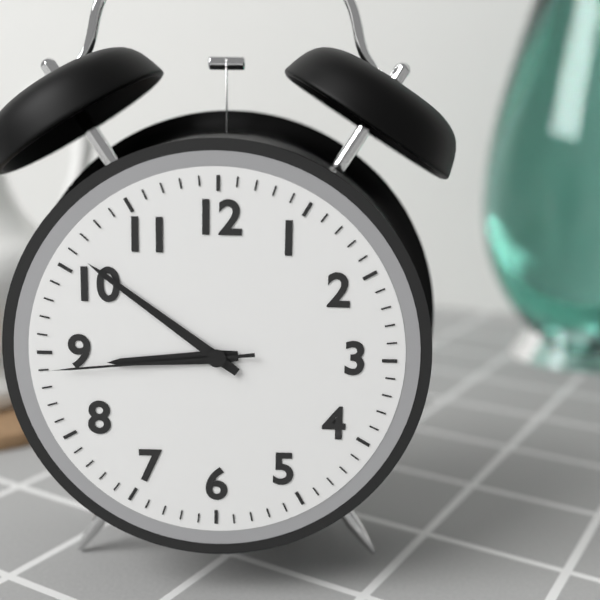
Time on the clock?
8:51:44
